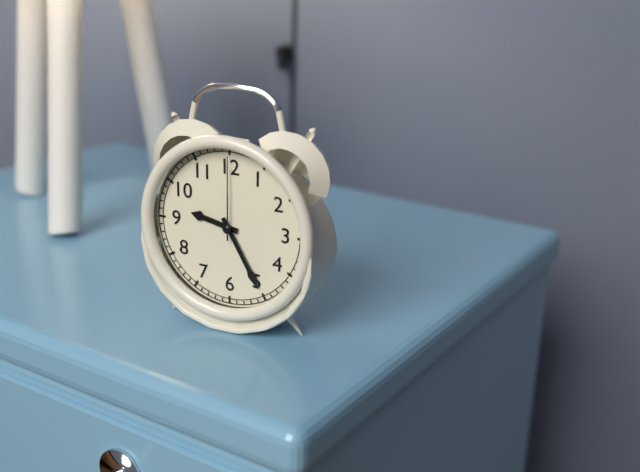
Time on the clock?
9:25:00
